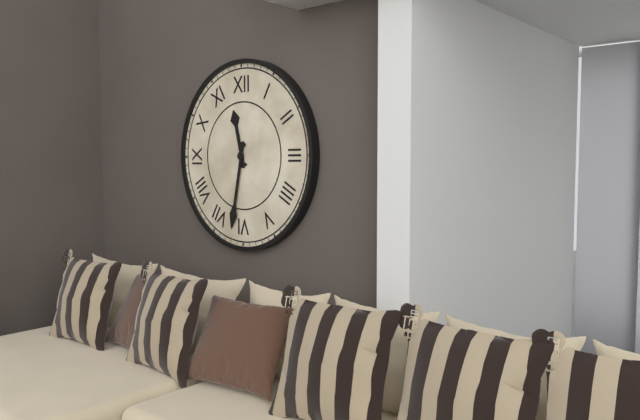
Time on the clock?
11:32
